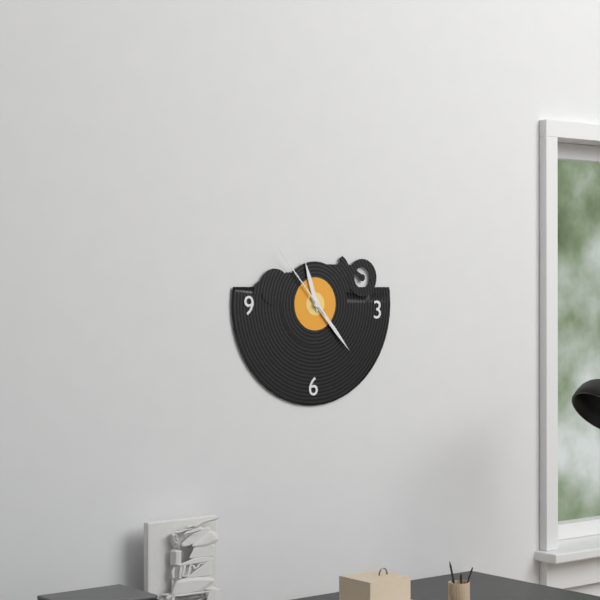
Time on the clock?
11:23:53
